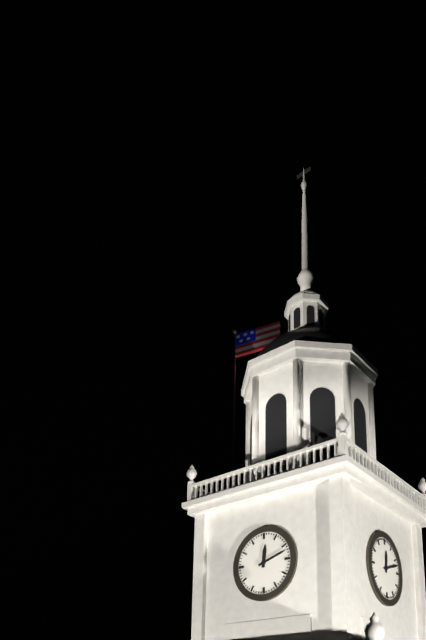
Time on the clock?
12:12
